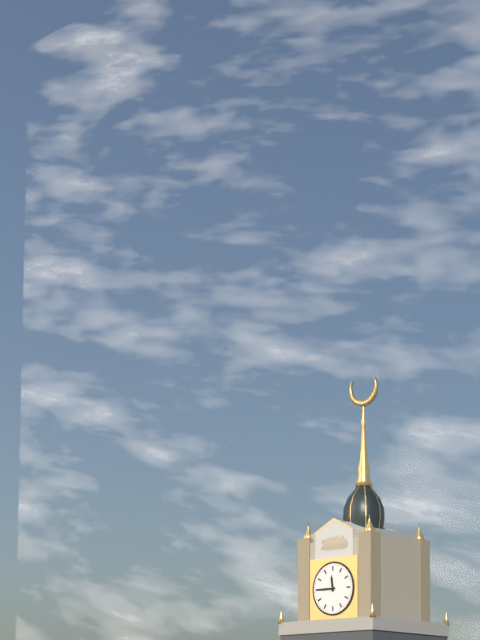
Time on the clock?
11:45
